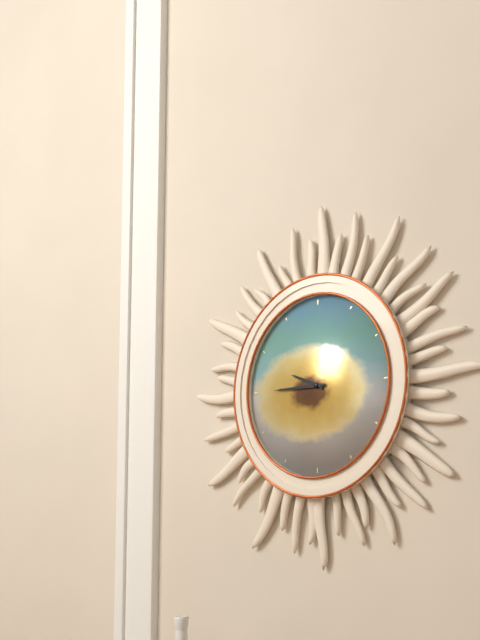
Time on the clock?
9:45
